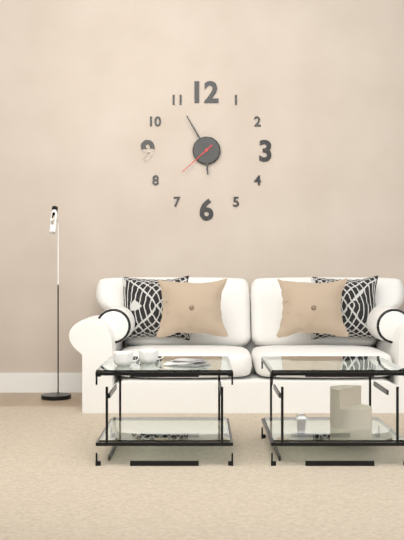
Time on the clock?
5:55
